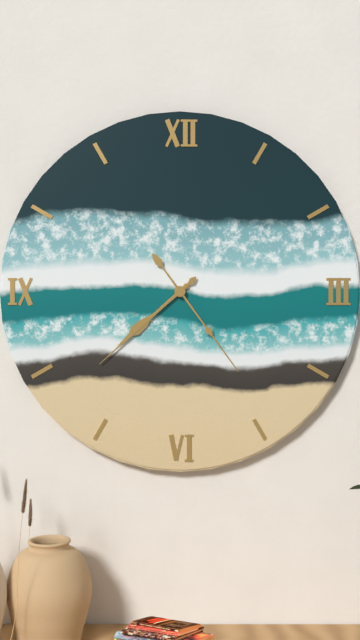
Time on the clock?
7:38:24
